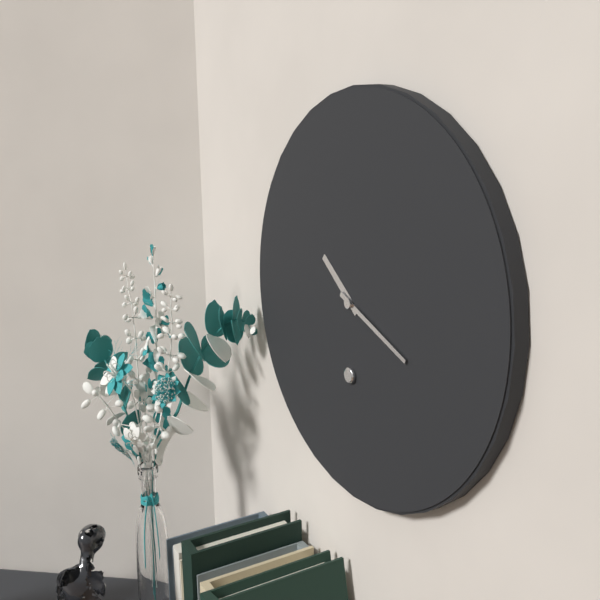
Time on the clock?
10:19
